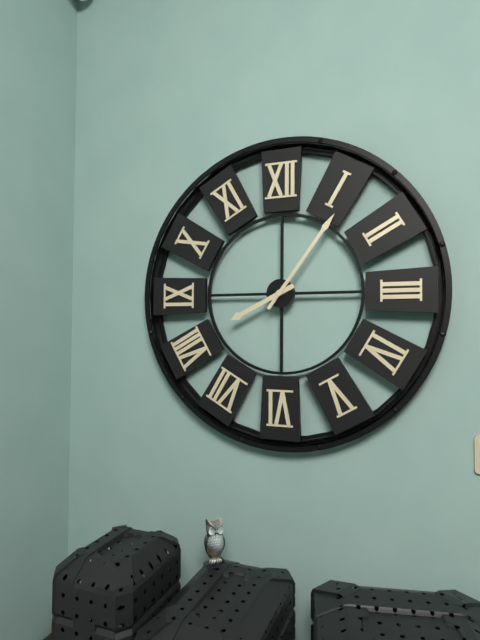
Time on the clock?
8:06
